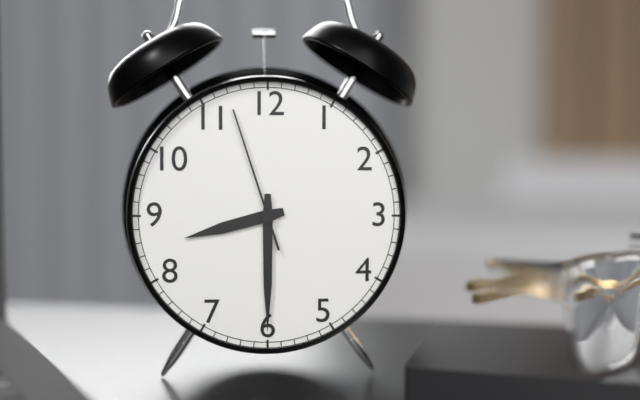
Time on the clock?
8:30:57
